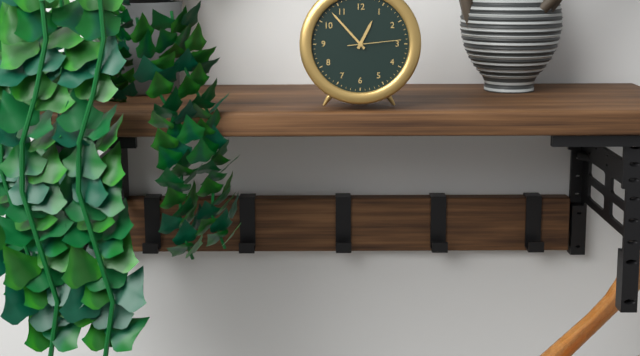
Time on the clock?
12:53:14
